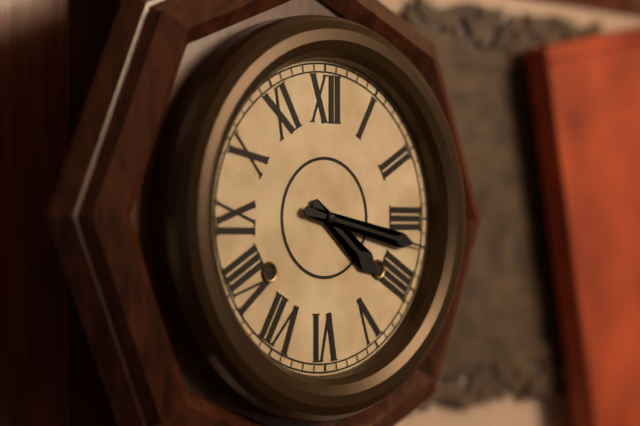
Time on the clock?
4:17
